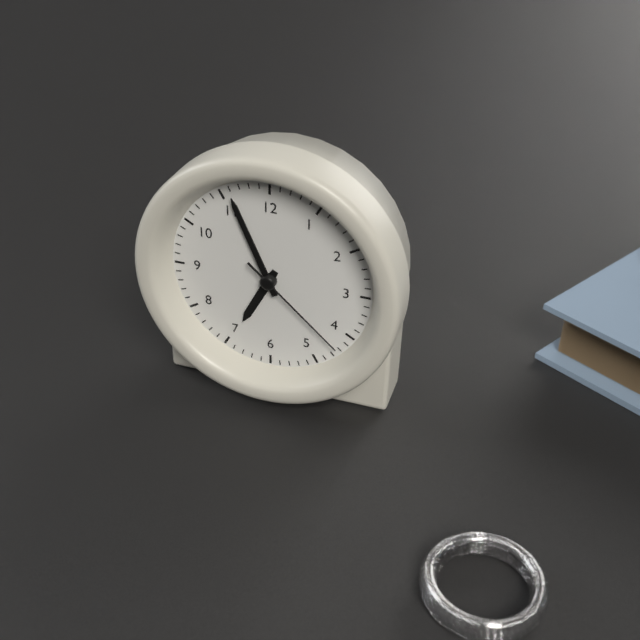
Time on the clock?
6:56:22
